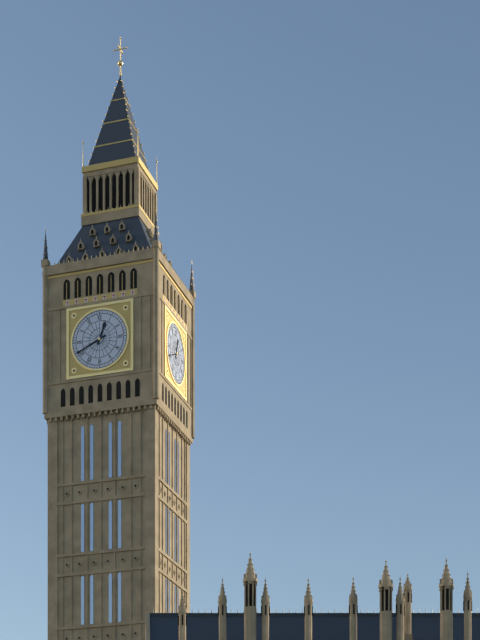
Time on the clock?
12:41
